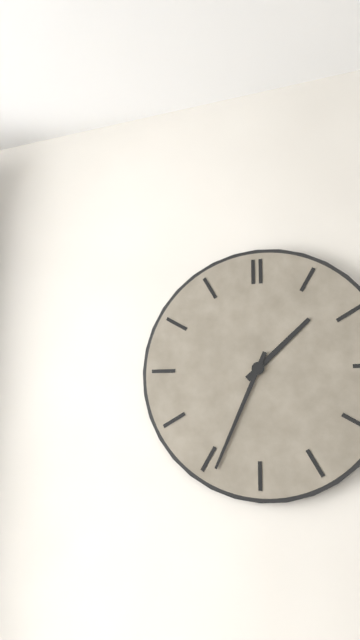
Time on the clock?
1:34
